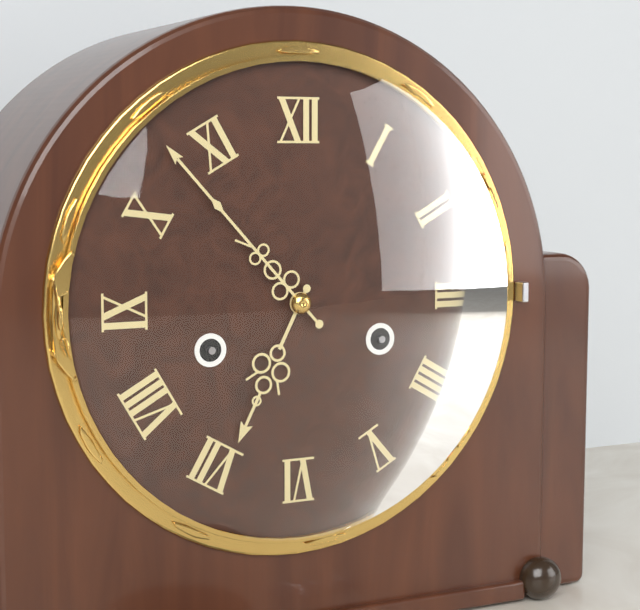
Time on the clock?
6:53
